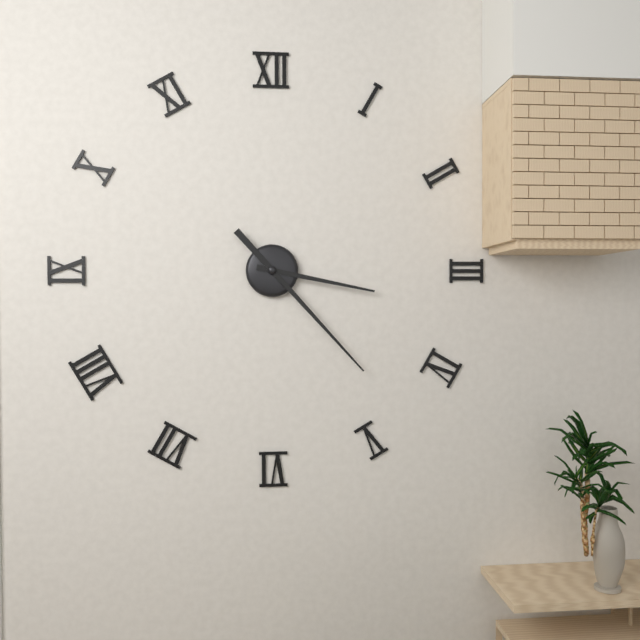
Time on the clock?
3:23
